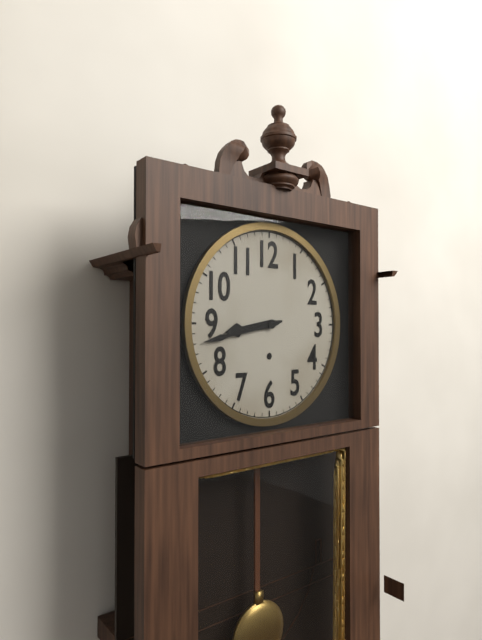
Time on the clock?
8:43
